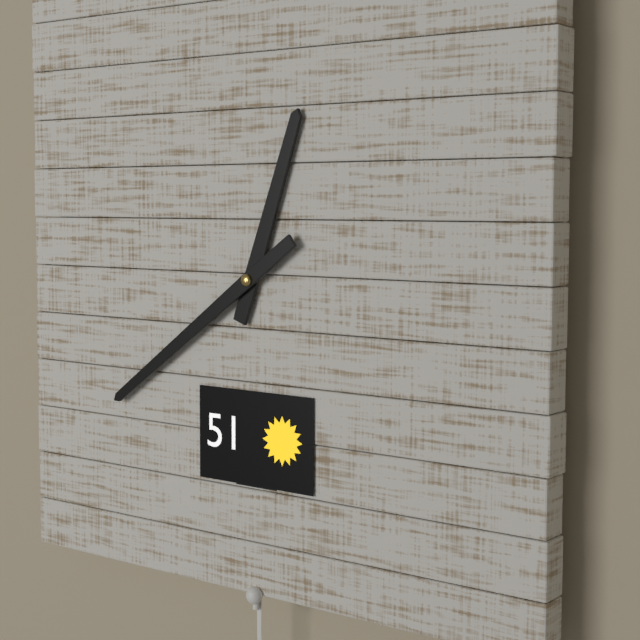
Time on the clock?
12:39
